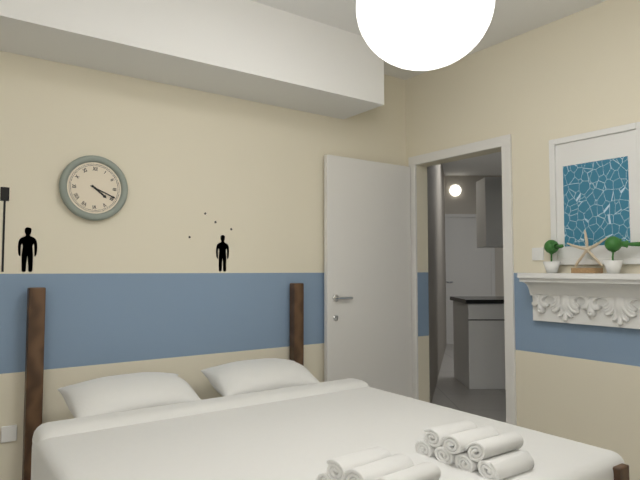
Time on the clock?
4:19
